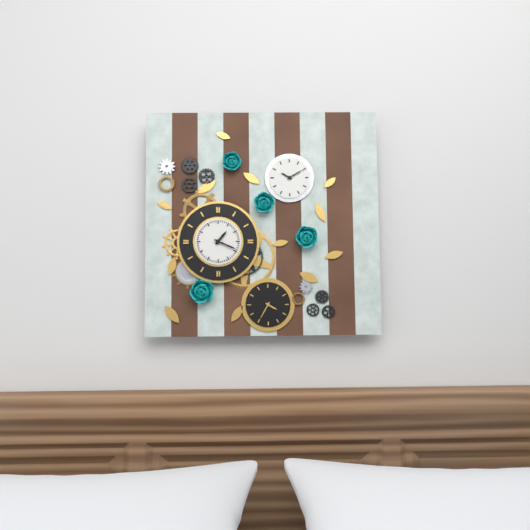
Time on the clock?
1:19
